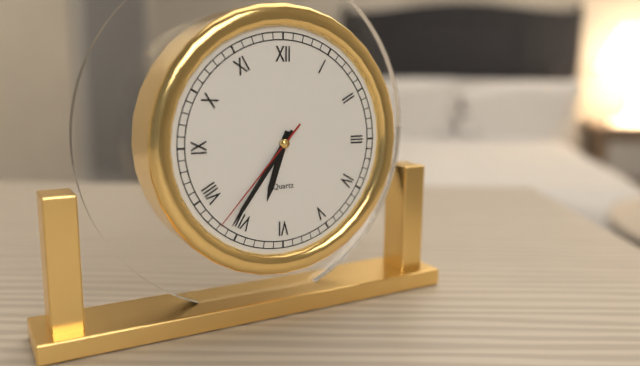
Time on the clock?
6:36:37
